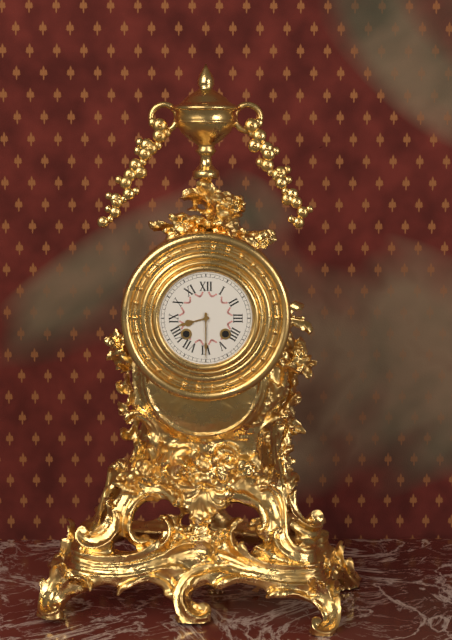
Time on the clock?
8:30
